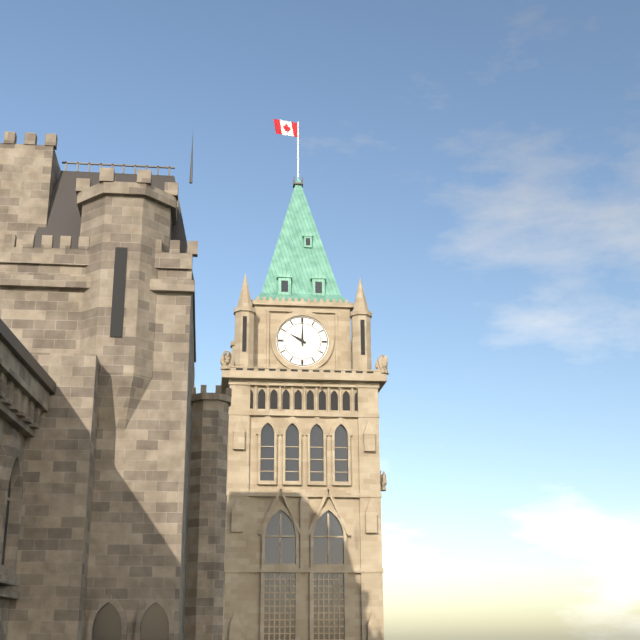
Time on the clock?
10:00
